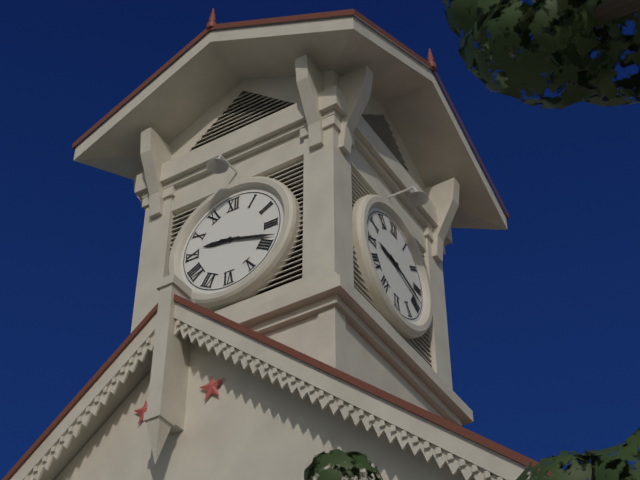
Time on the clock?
9:18
